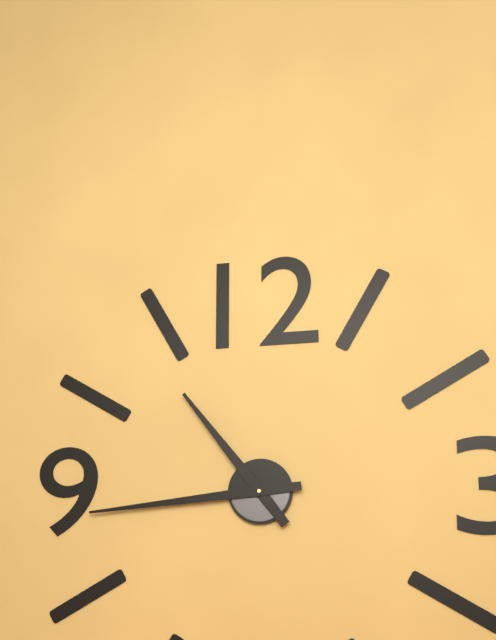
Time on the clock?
10:44
